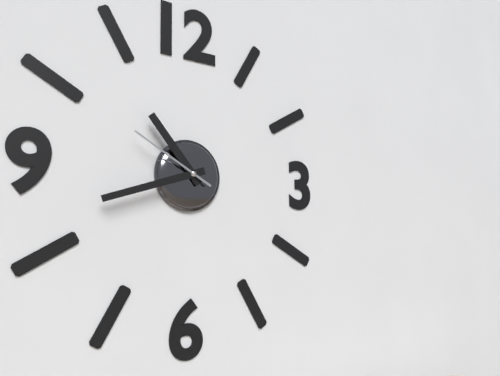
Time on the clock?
10:42:50
